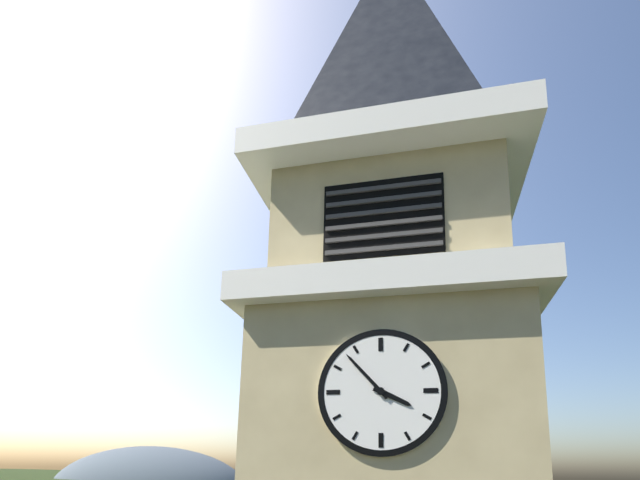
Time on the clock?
3:53
